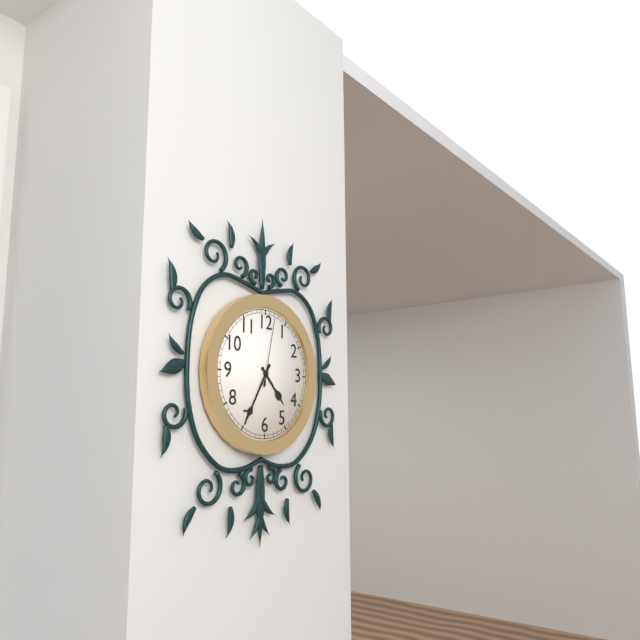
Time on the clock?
4:35:02
